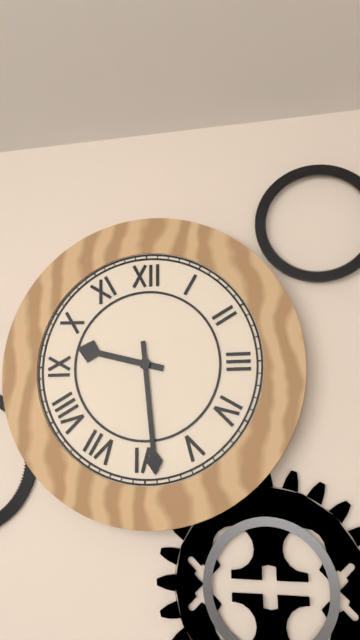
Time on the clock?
9:29
